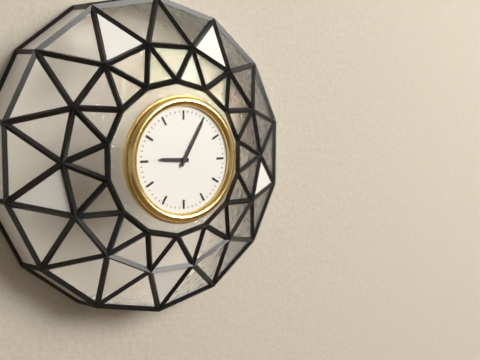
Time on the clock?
9:05
